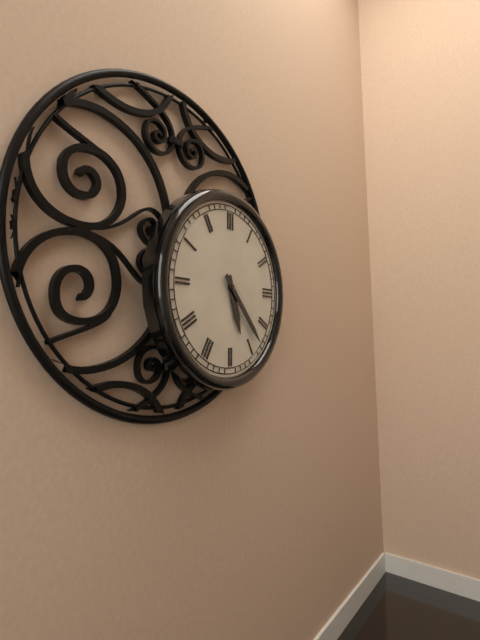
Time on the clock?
5:23
